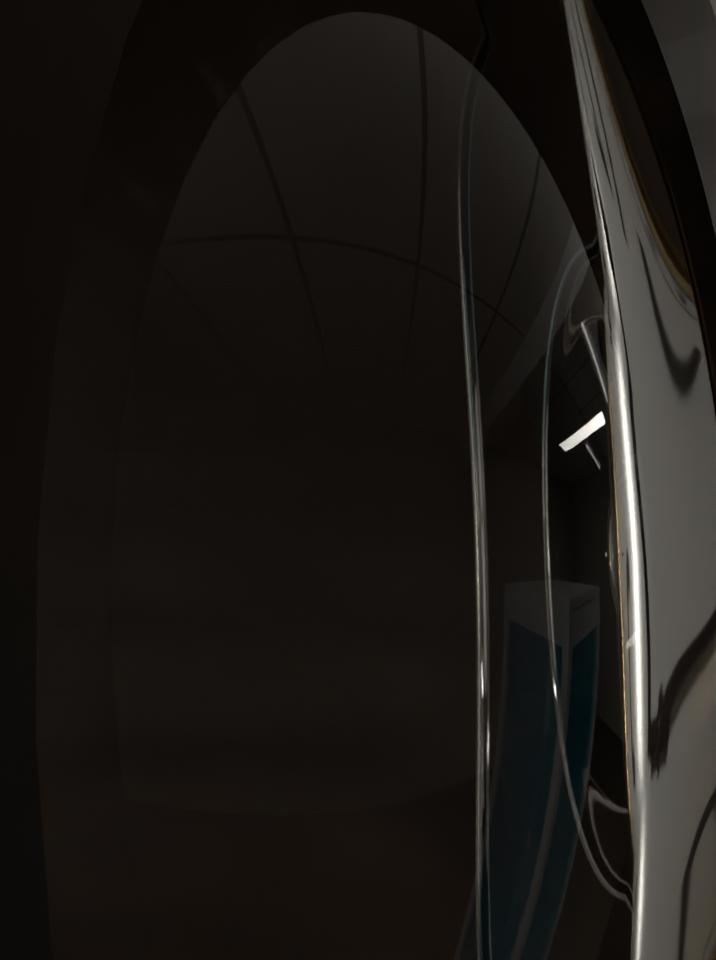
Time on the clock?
1:40
